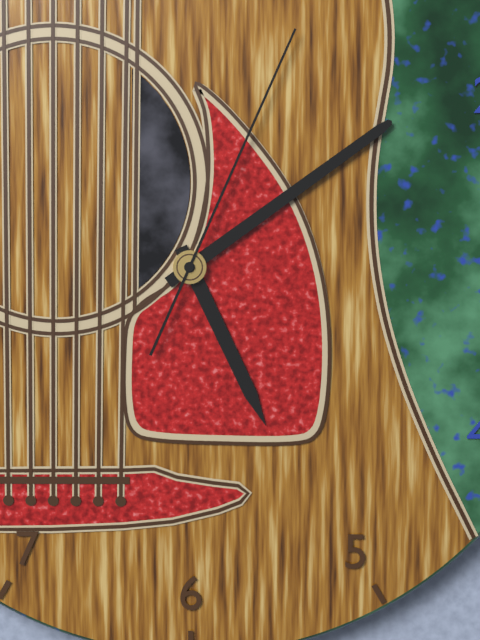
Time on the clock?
5:09:04
